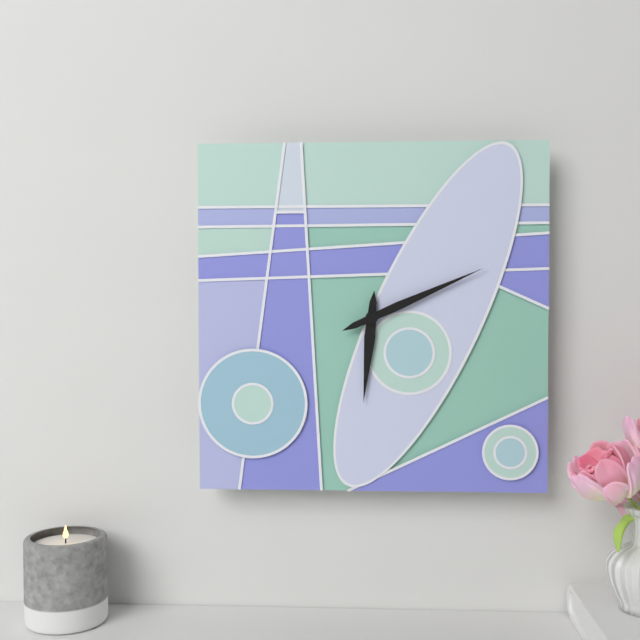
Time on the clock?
6:11
